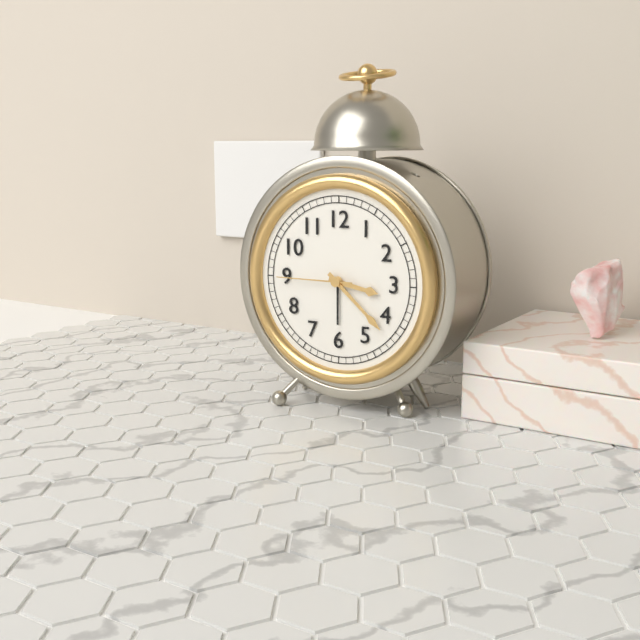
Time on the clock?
3:22:45
